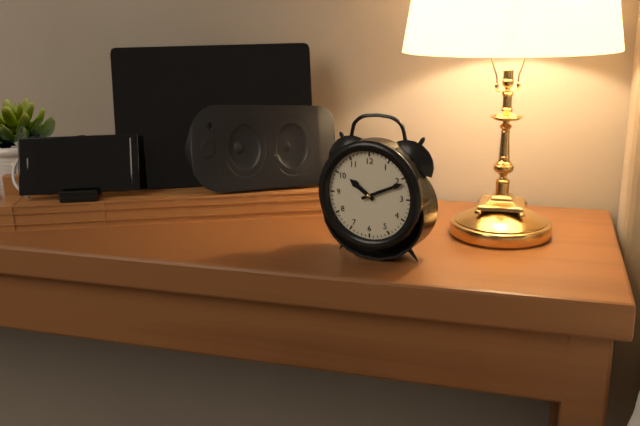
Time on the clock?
10:11
